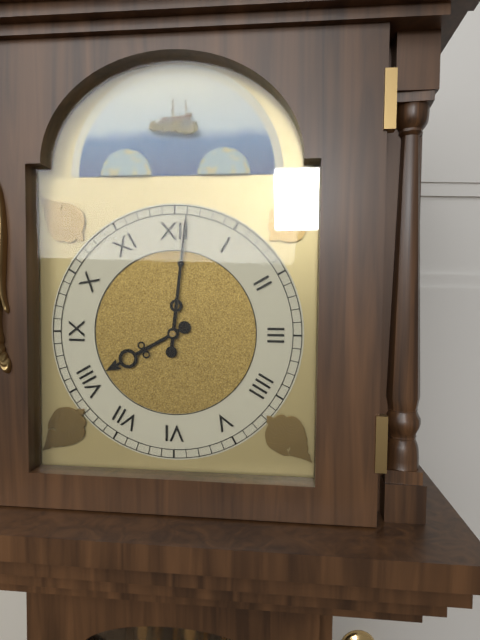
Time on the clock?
8:01
